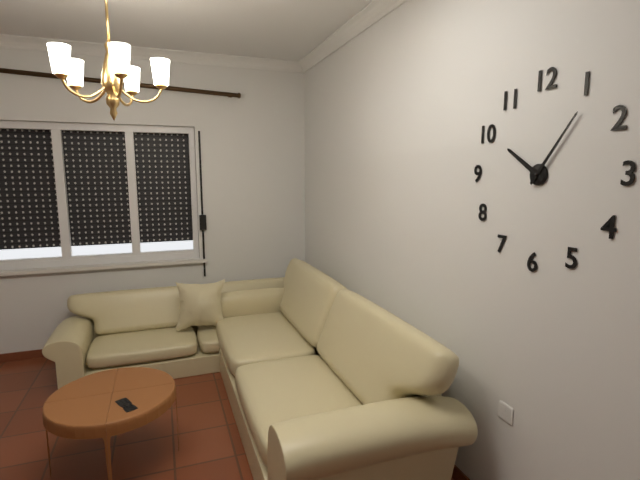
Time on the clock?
10:06
